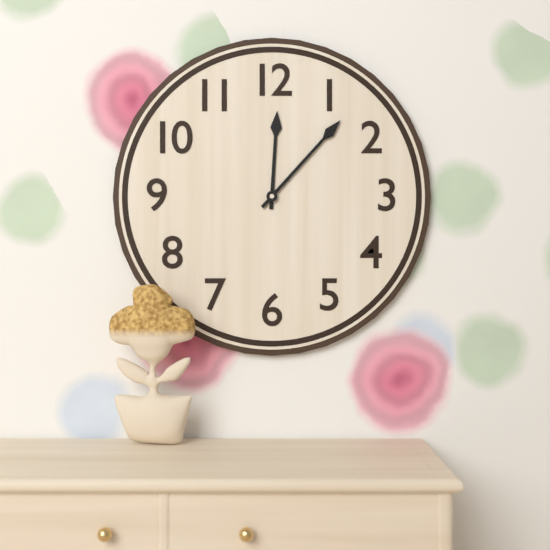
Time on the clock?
12:07
